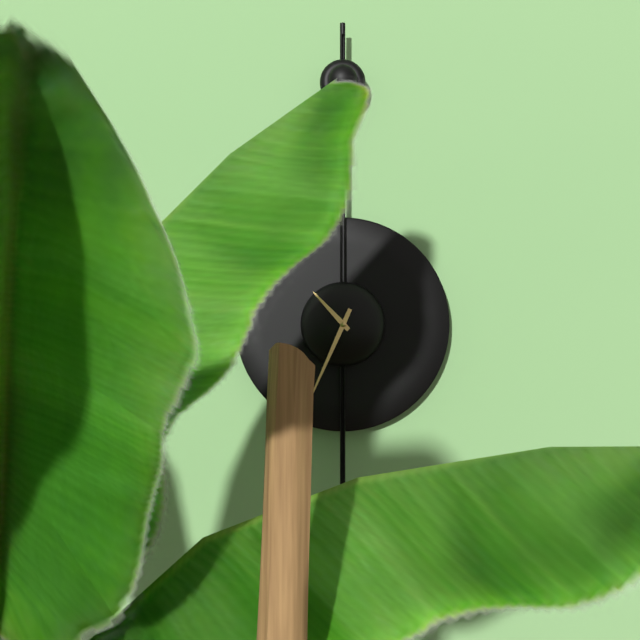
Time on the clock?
10:34
